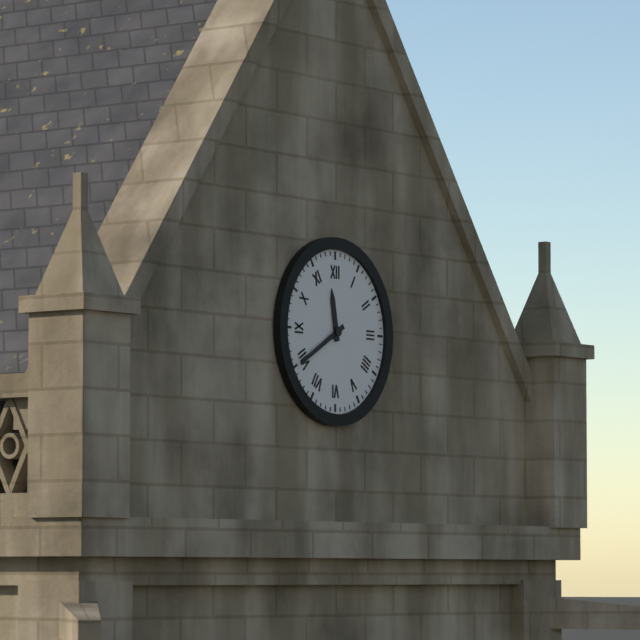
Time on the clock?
11:40
